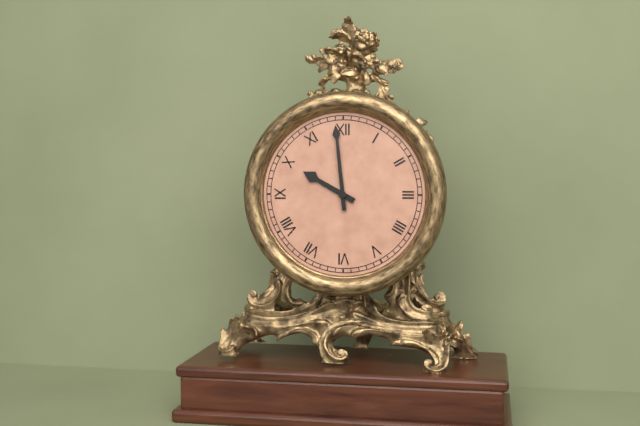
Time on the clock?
9:59
